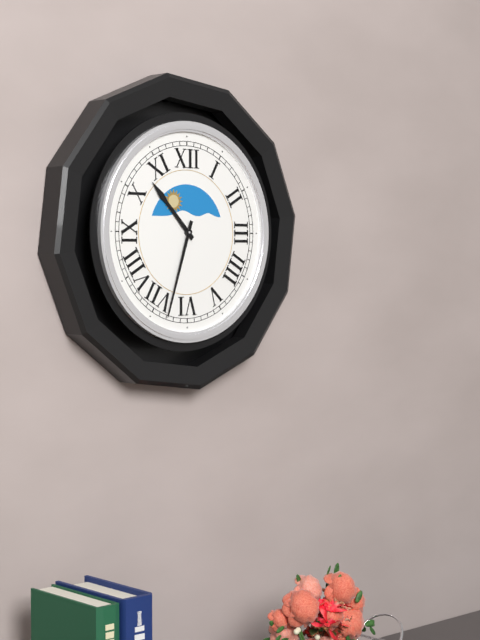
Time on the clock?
10:33
